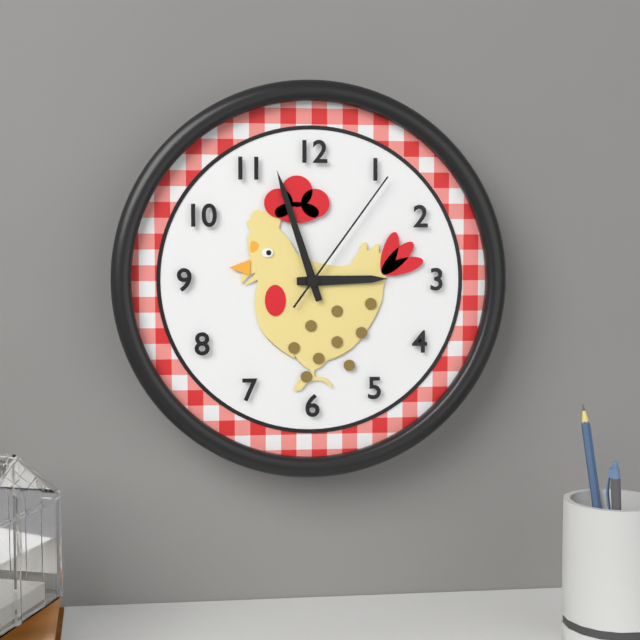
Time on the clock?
2:57:06
